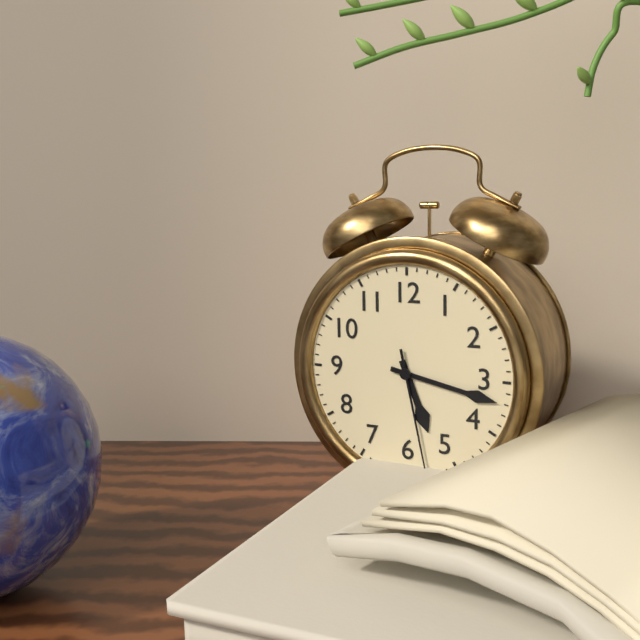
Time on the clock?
5:17:28
